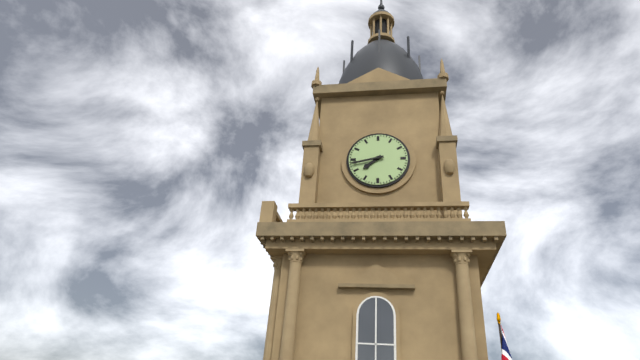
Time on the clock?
7:43
